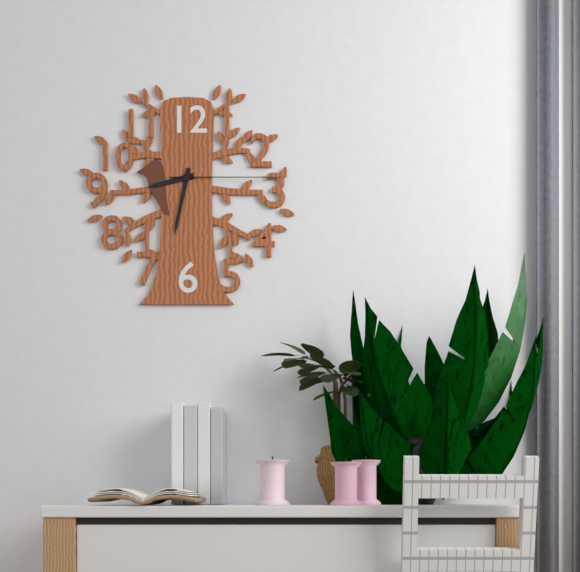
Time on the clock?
8:32:15
